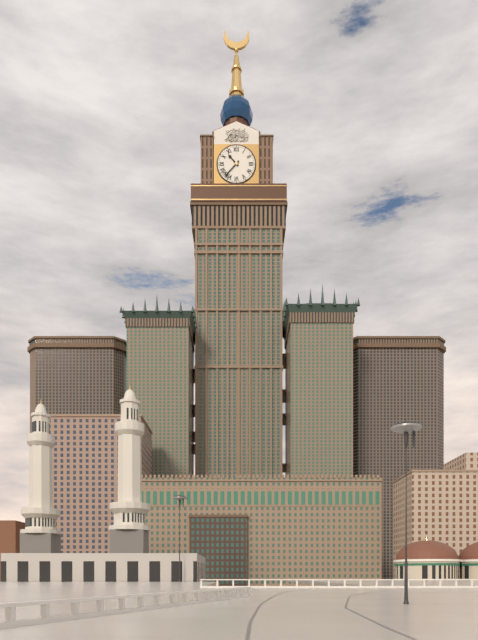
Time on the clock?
10:37
